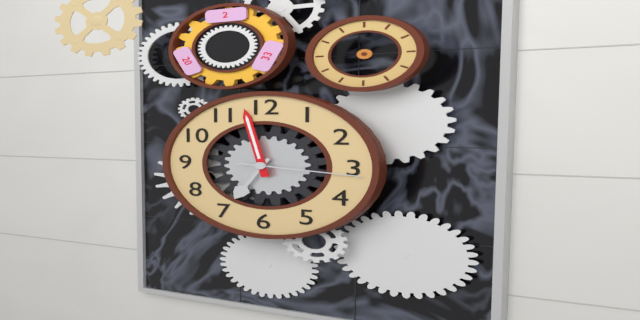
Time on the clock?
6:58:16
